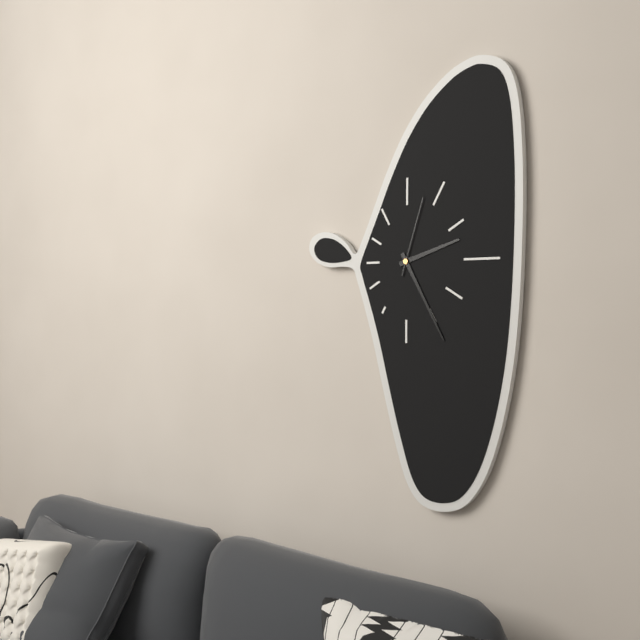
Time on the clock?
2:25:03
